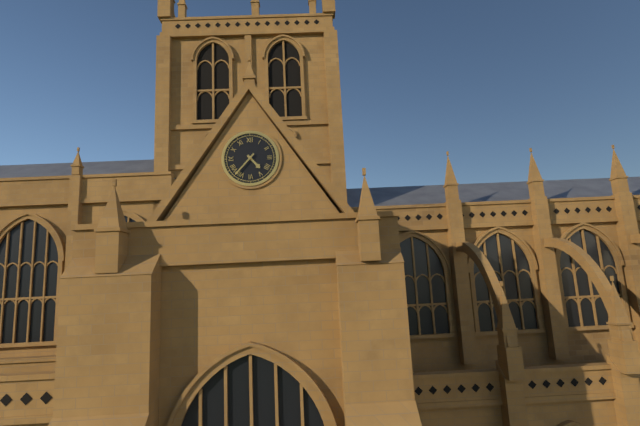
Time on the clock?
4:37
